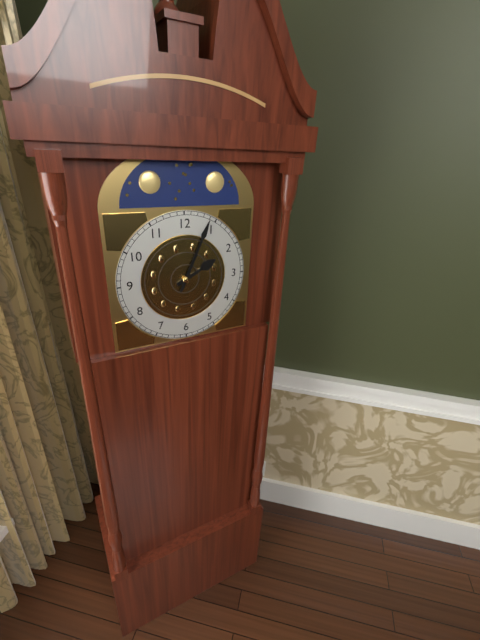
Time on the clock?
2:04
